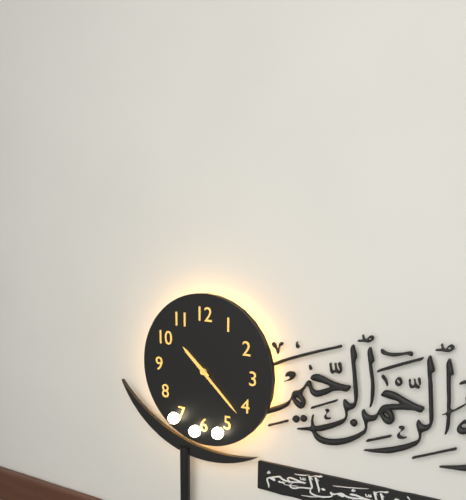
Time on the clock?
10:22
